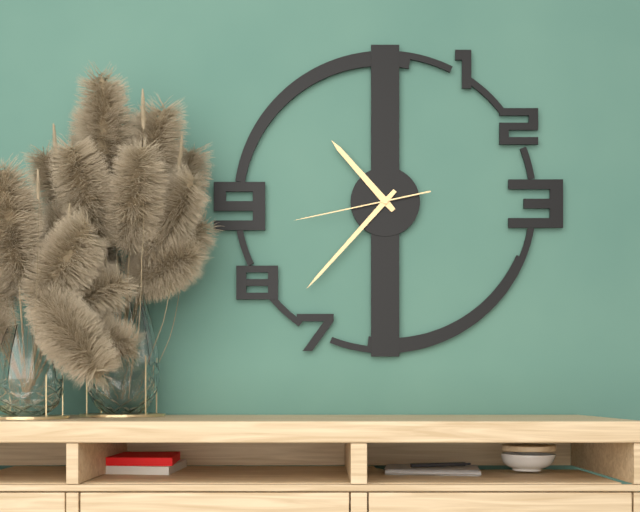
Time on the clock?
10:37:43
